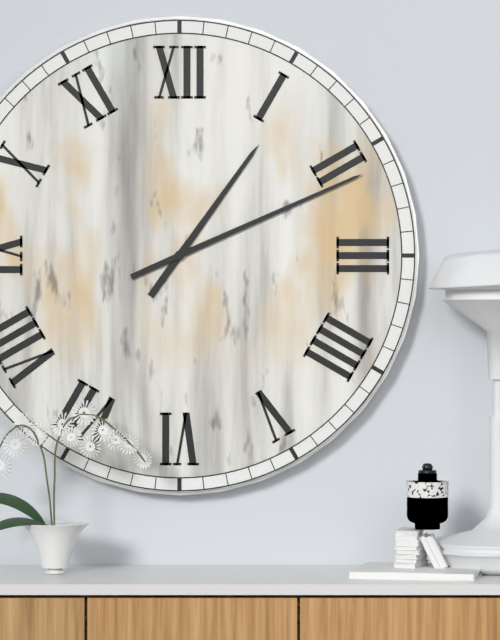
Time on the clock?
1:11
